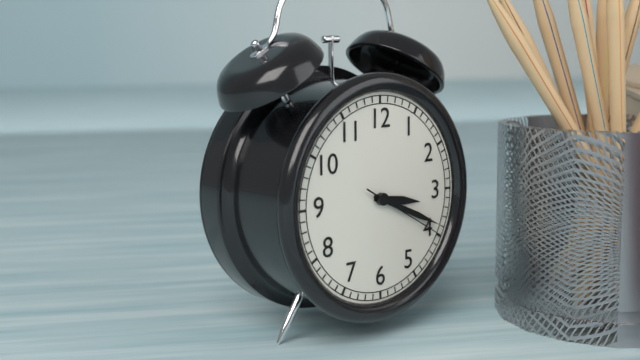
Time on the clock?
3:19:20
